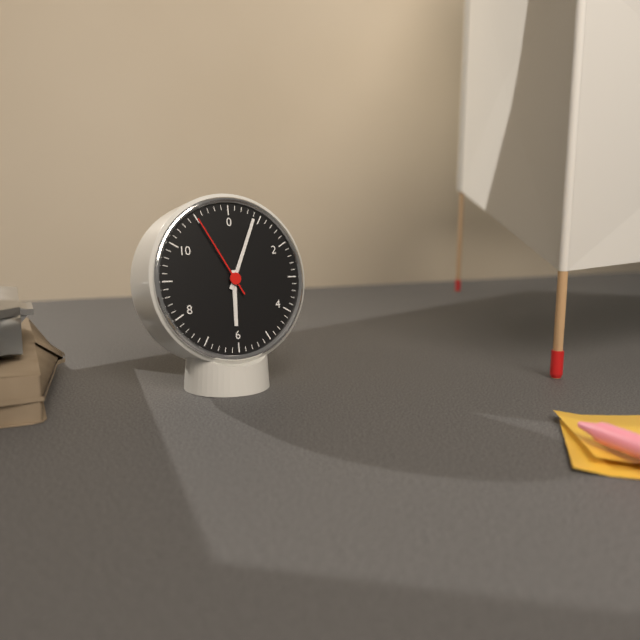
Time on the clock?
6:04:55
